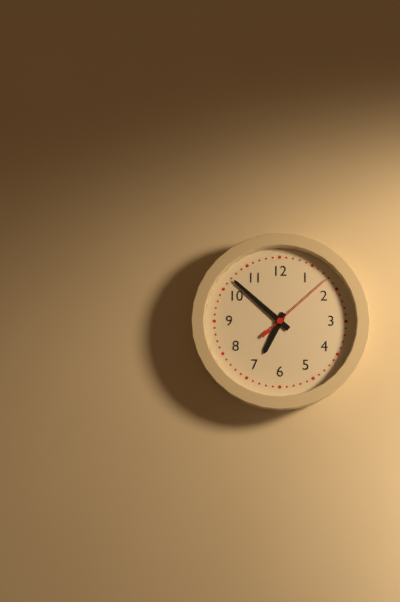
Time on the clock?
6:52:08
